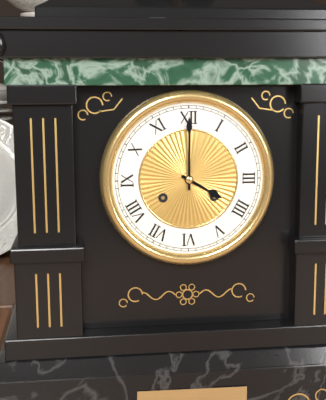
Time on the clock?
4:00
